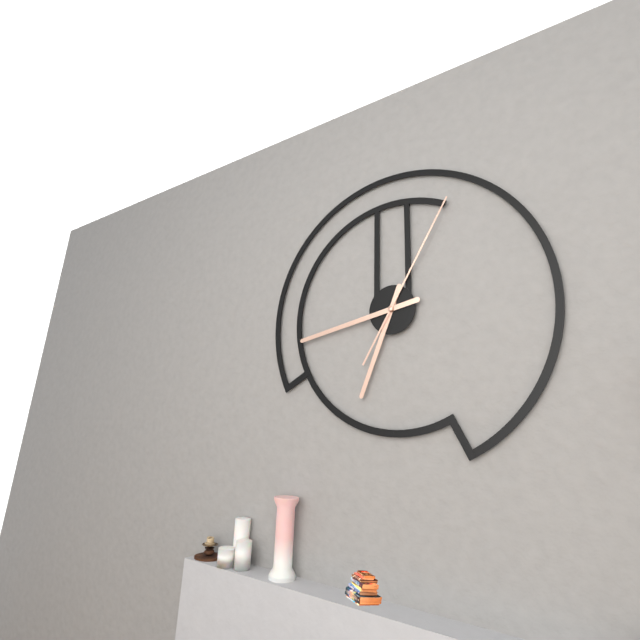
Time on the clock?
6:43:05
